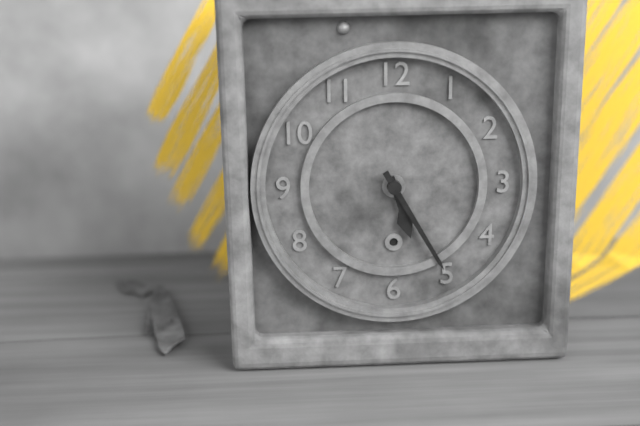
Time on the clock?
5:25
